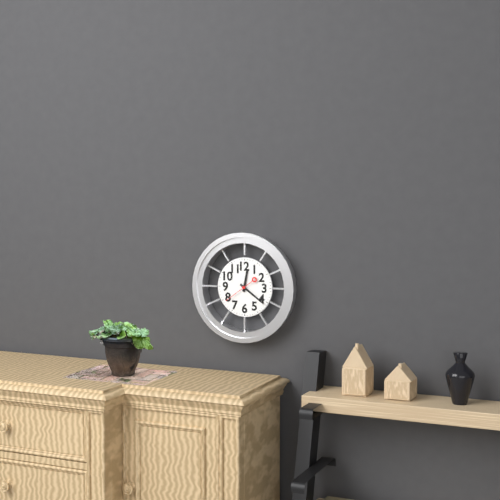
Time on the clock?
12:21
